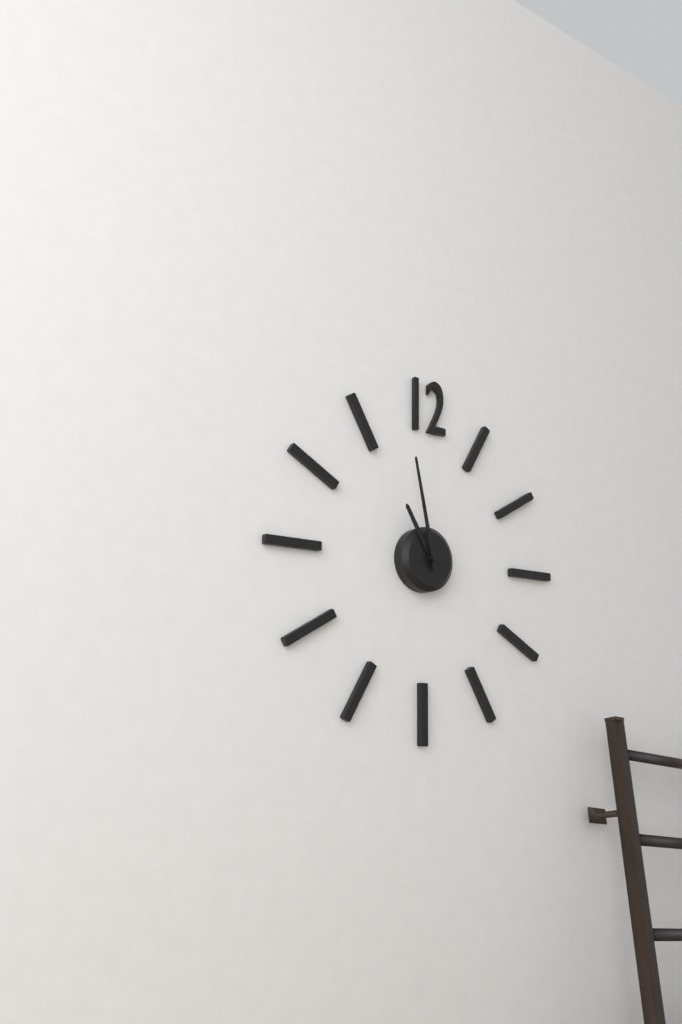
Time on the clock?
10:58
